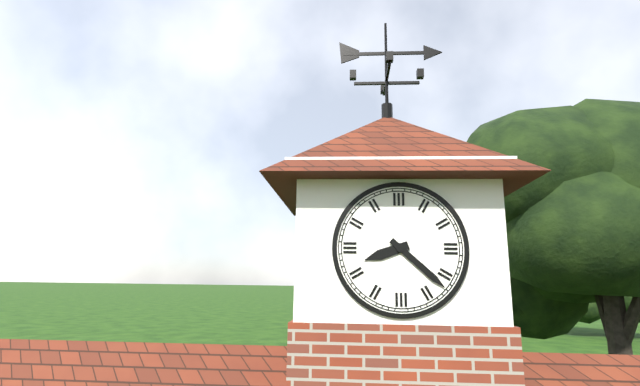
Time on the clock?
8:22
